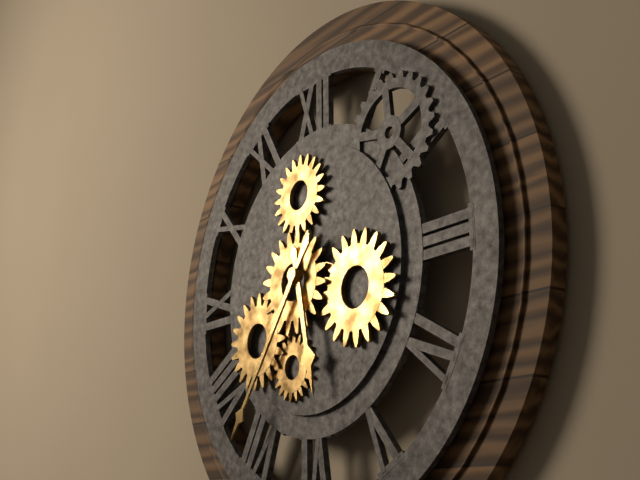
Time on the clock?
5:36
